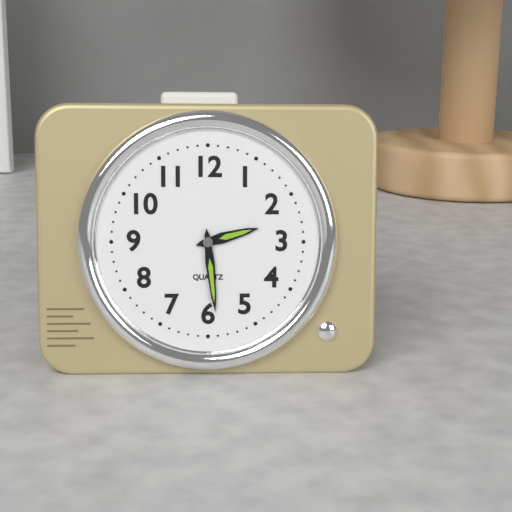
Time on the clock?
2:29
